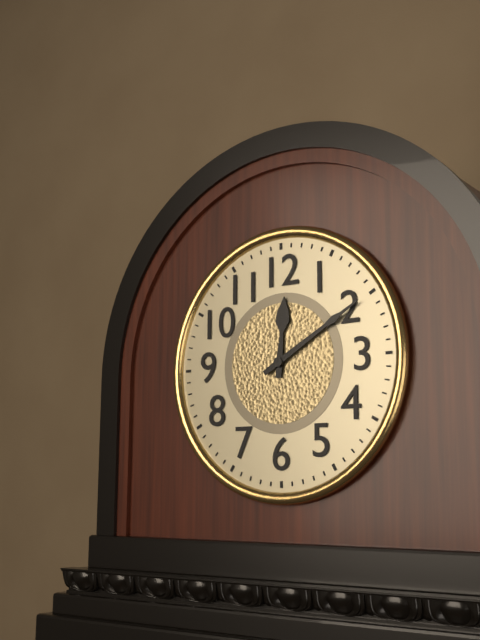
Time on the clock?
12:10
